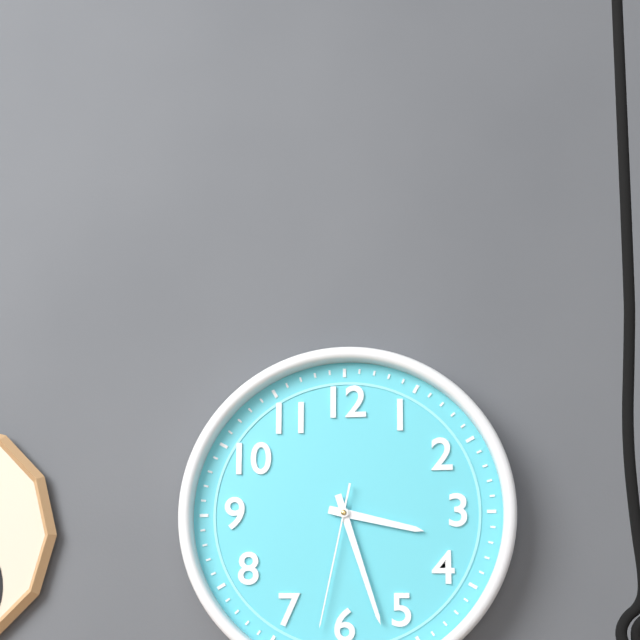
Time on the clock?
3:27:32
